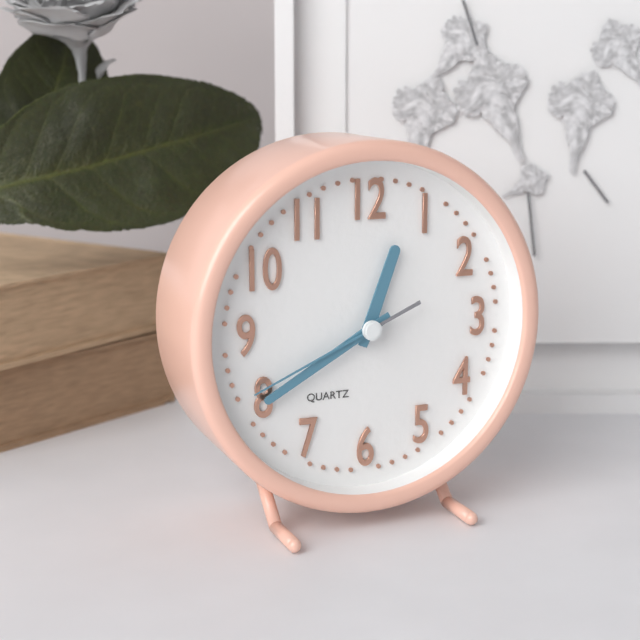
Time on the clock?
12:40:41
